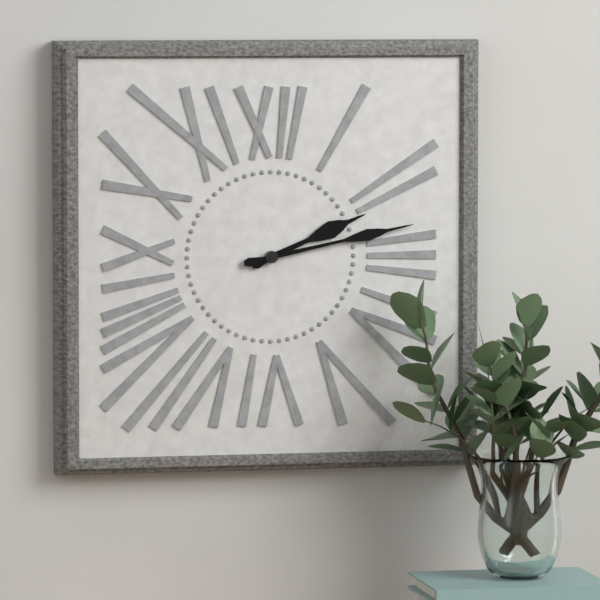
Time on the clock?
2:13
